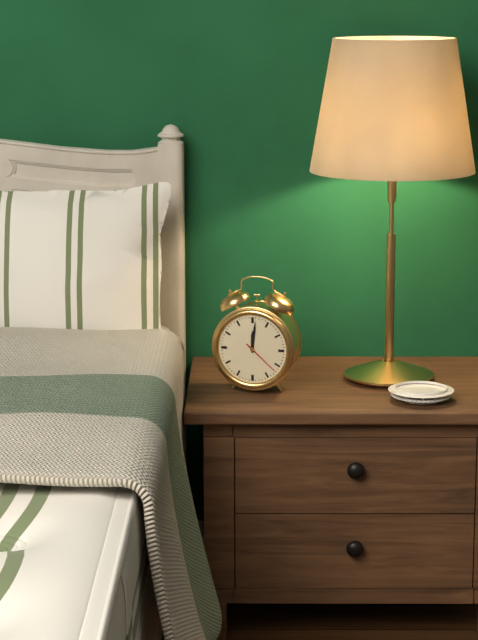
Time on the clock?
12:01
